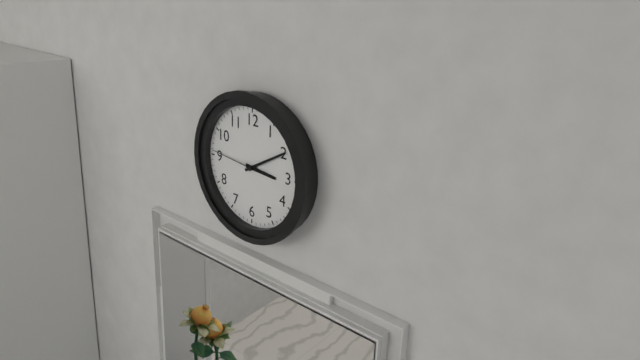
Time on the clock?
3:10:46
